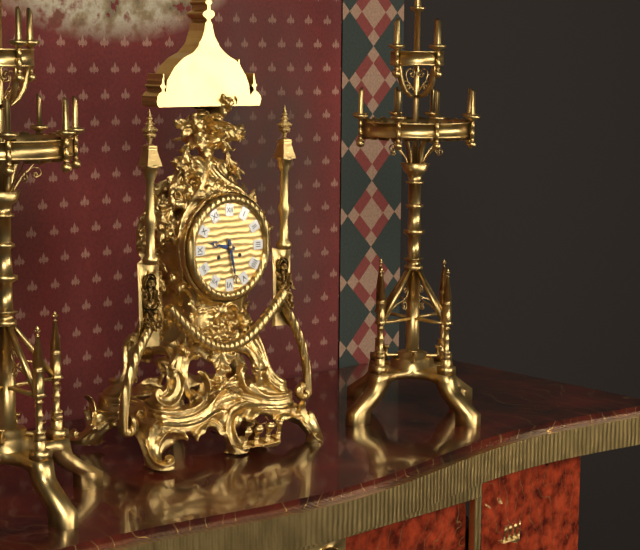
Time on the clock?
9:28
